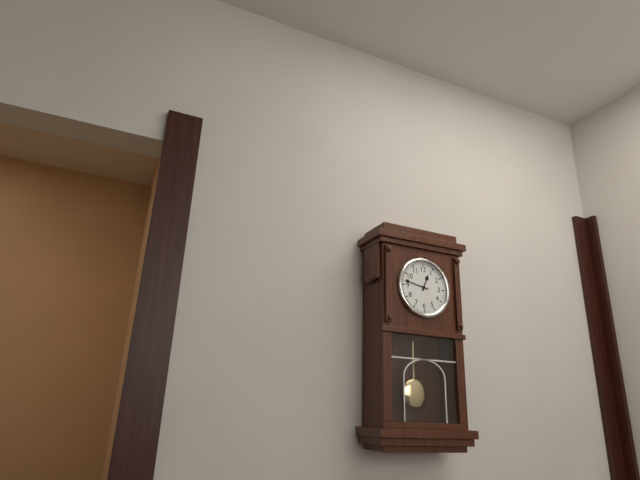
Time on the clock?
12:47
